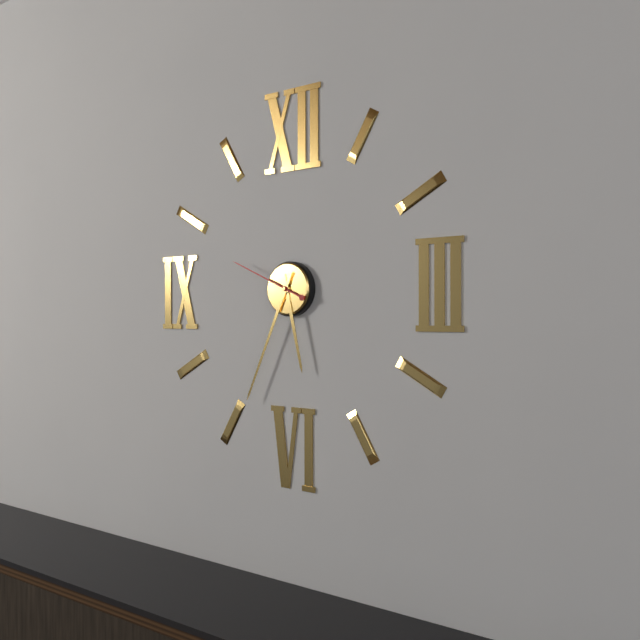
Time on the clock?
5:34:49
